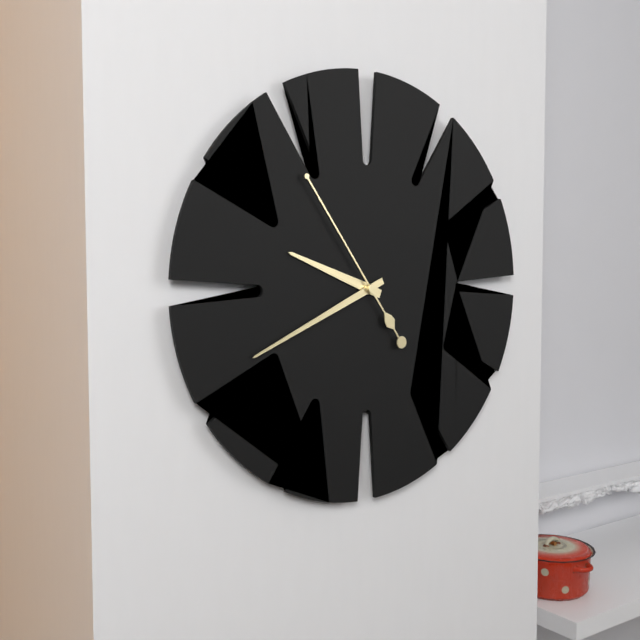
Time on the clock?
9:41:54
